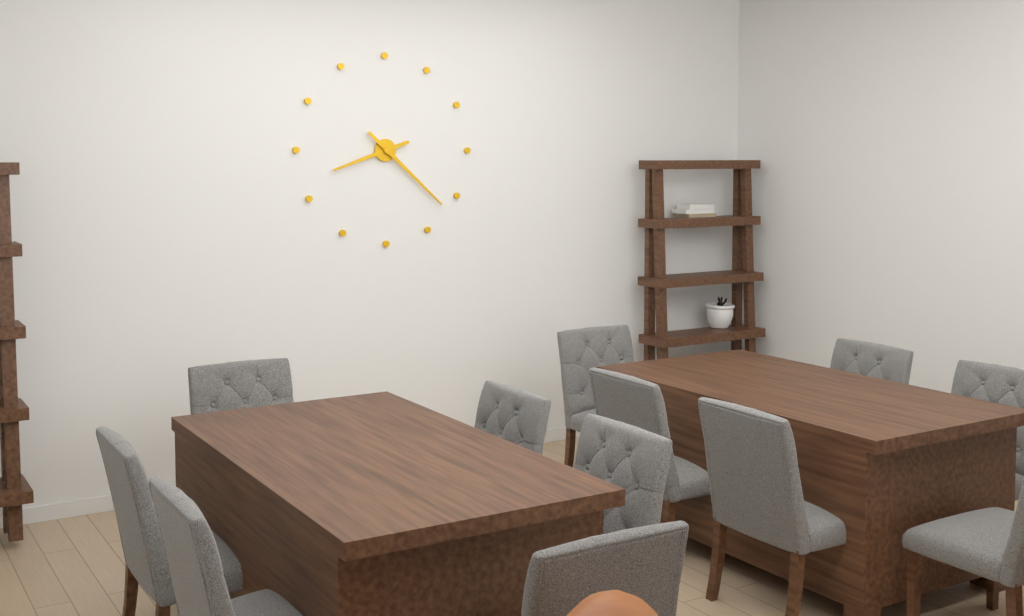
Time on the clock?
8:22
